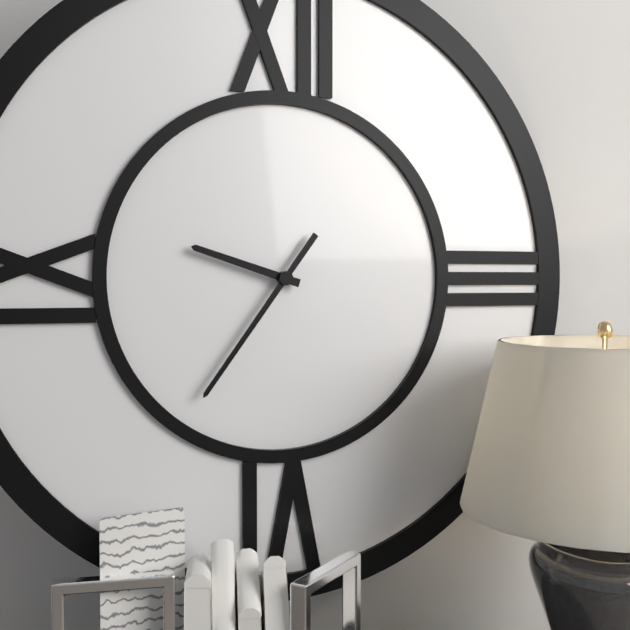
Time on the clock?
9:36
